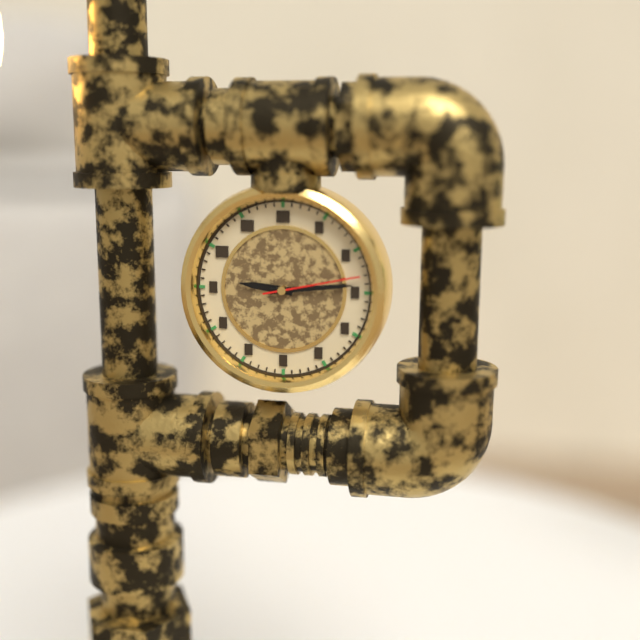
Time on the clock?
9:14:13
